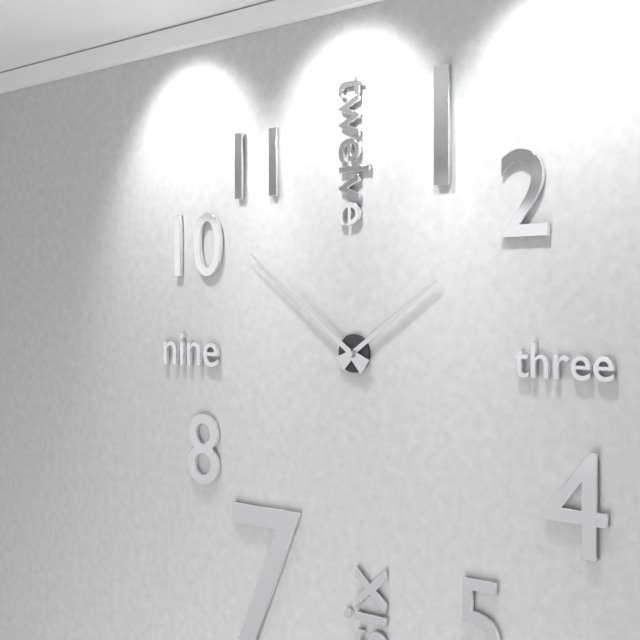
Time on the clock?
1:51
